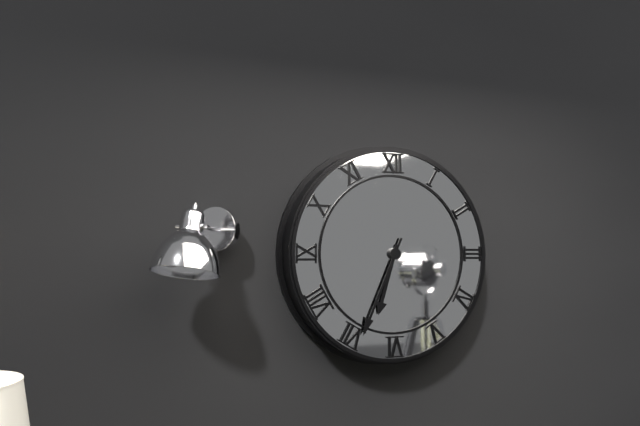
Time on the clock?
6:34
